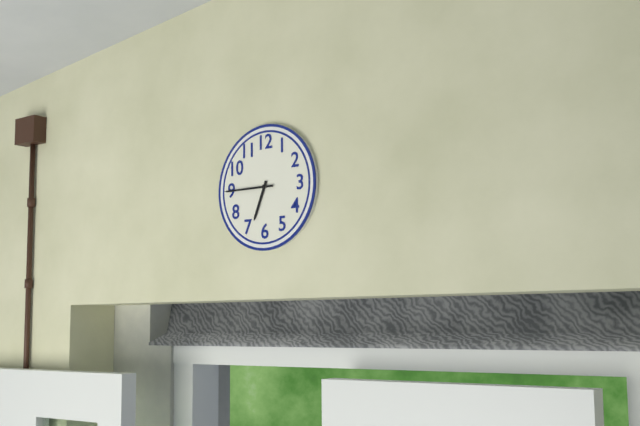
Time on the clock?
6:45
